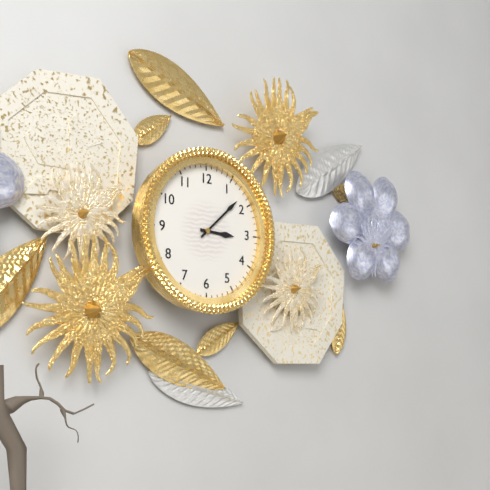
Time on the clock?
3:08
